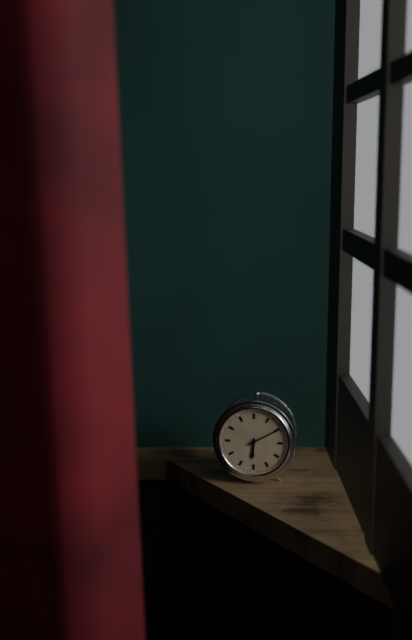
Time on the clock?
6:10
